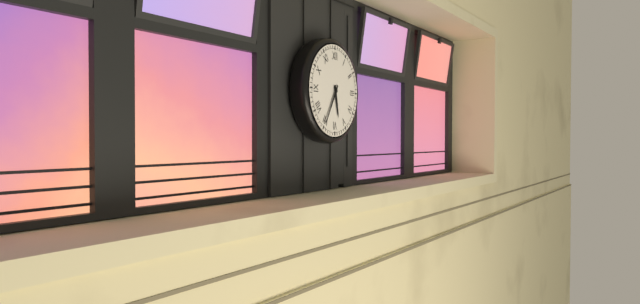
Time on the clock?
5:35
